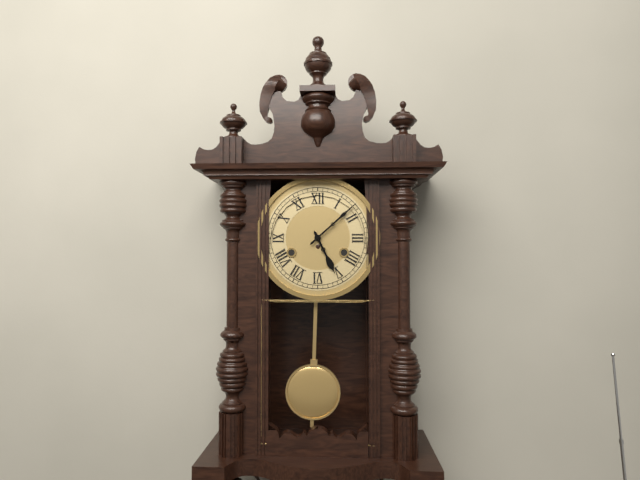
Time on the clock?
5:08
